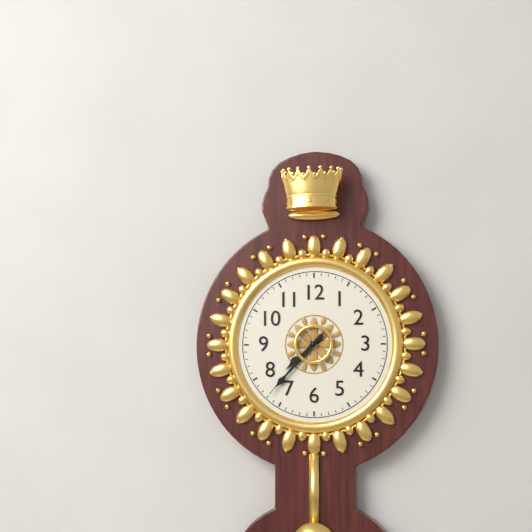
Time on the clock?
7:37:37
